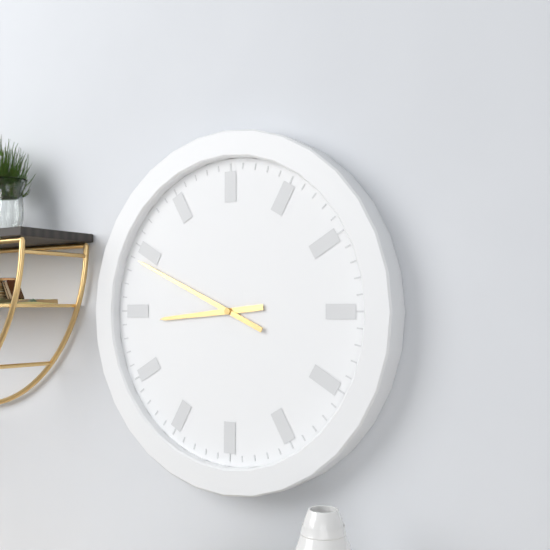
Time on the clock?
8:49
